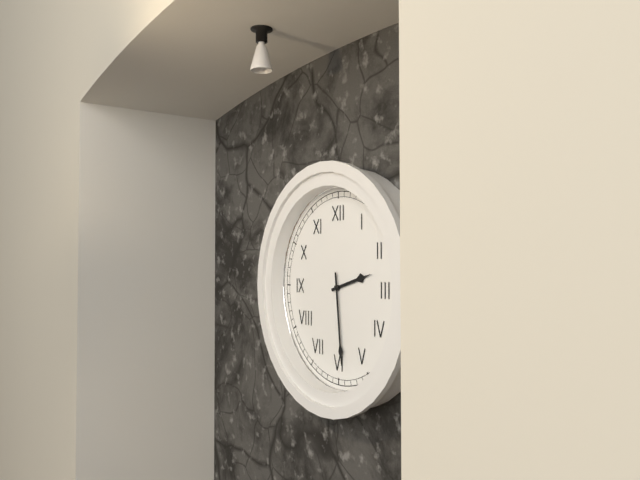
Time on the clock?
2:29
